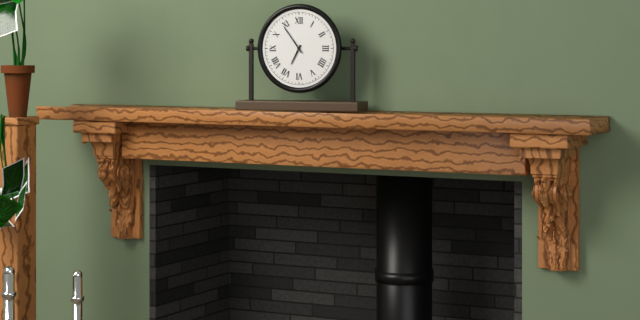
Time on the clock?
6:54
